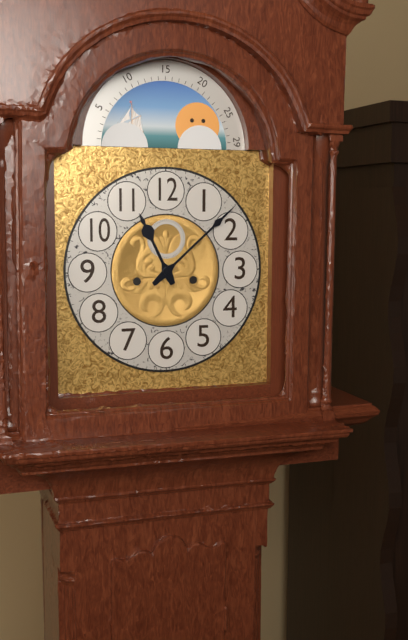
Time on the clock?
11:08
